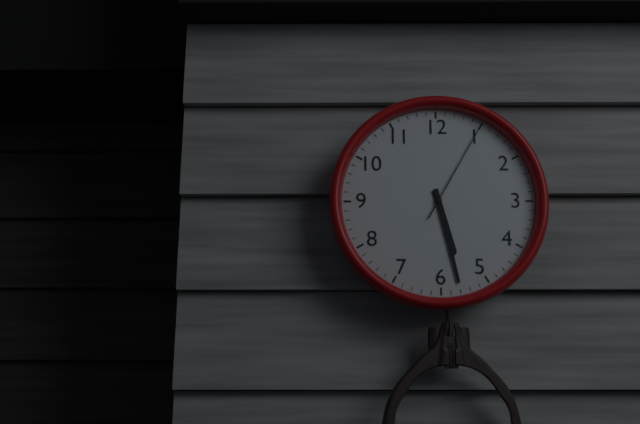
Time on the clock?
5:28:05
